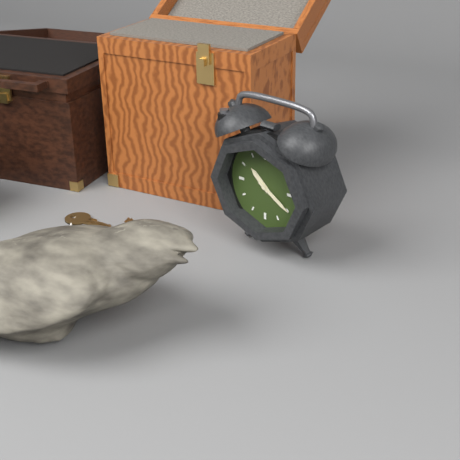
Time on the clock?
10:20
